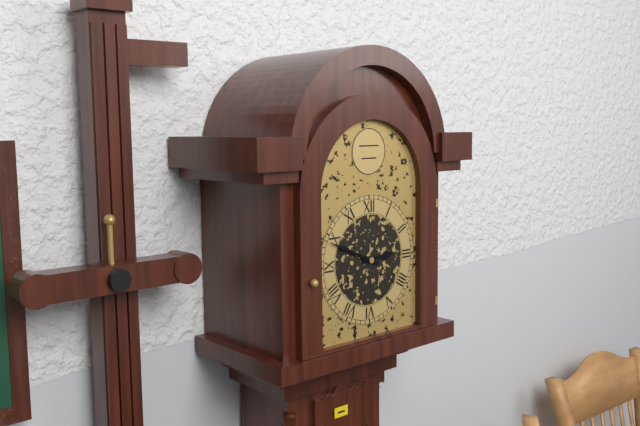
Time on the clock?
2:49
